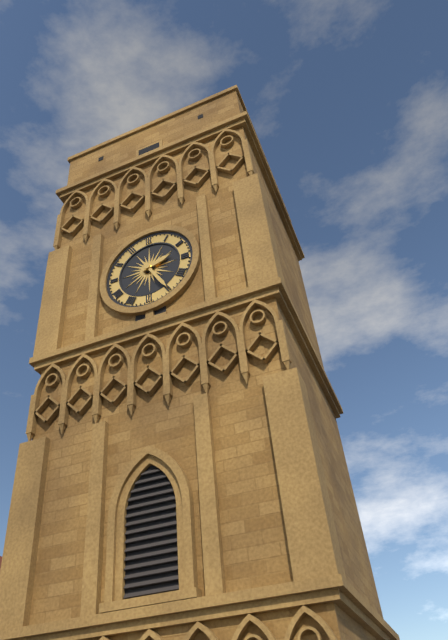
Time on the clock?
2:25
